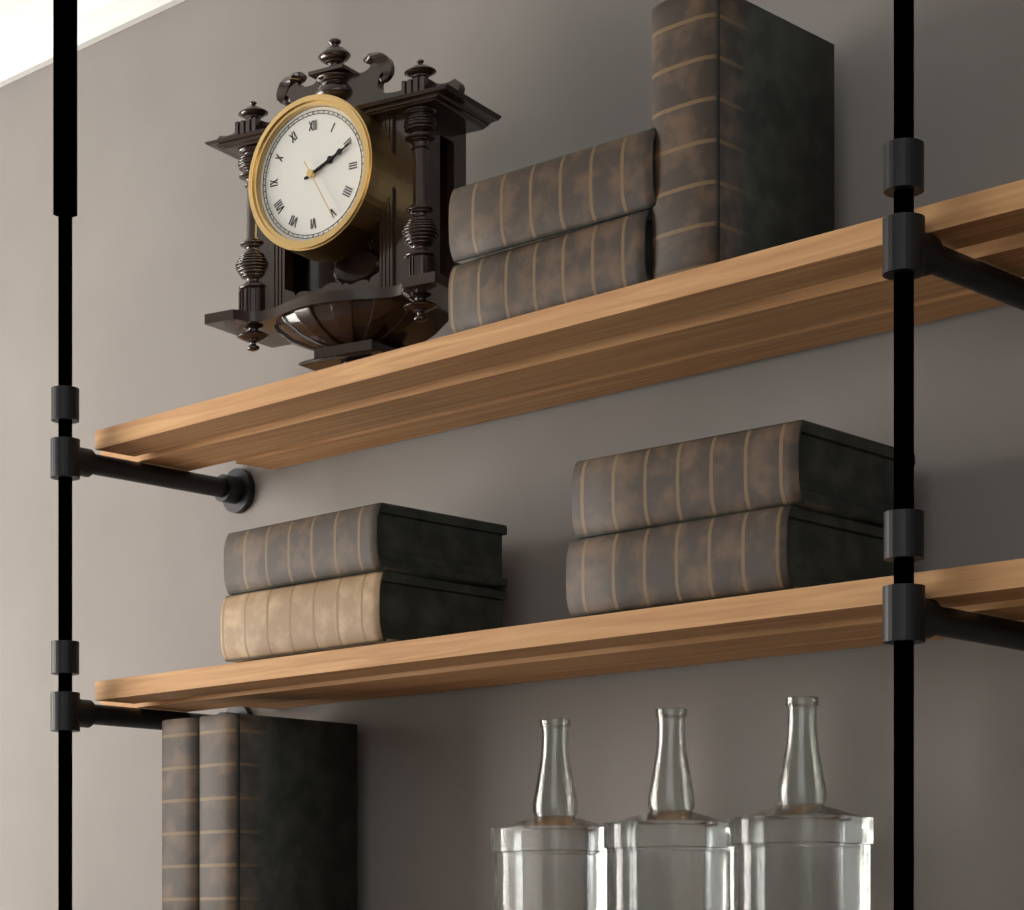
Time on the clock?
2:11:25
